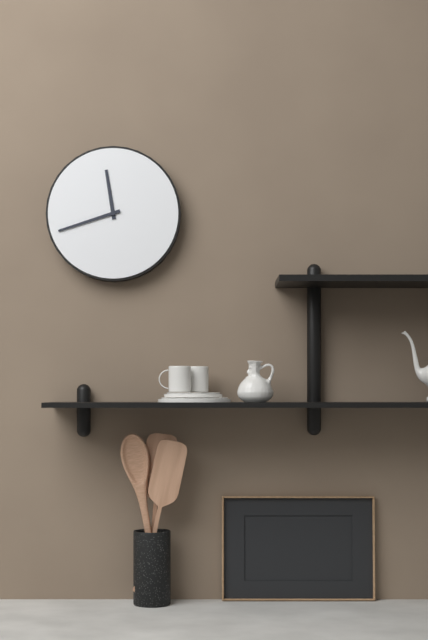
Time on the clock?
11:42
